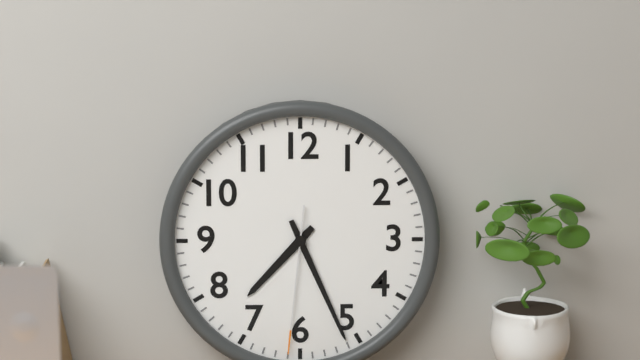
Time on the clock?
7:26:31
